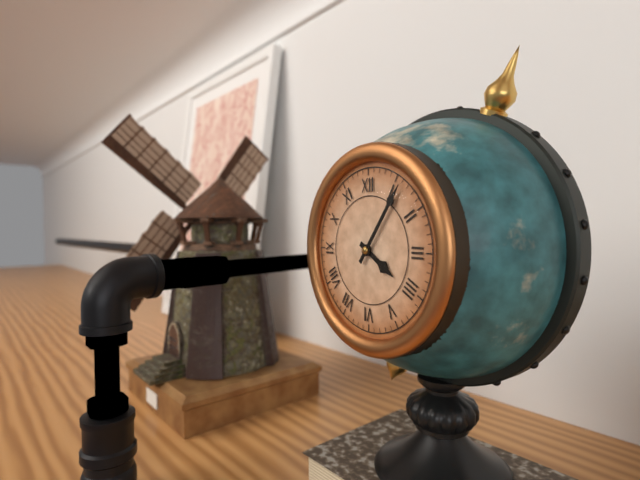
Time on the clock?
4:06
